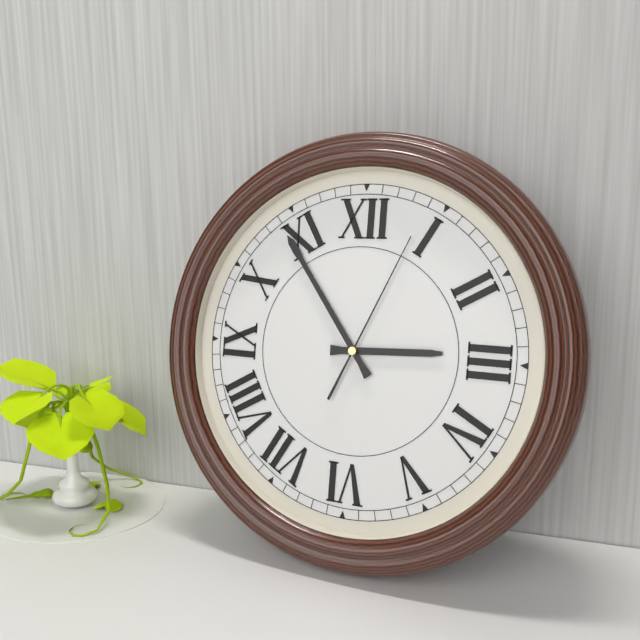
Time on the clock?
2:54:04
